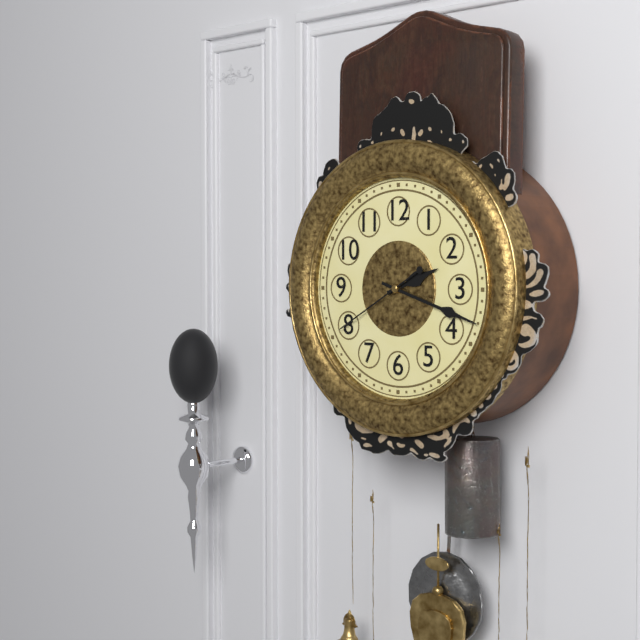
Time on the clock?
2:18:40
